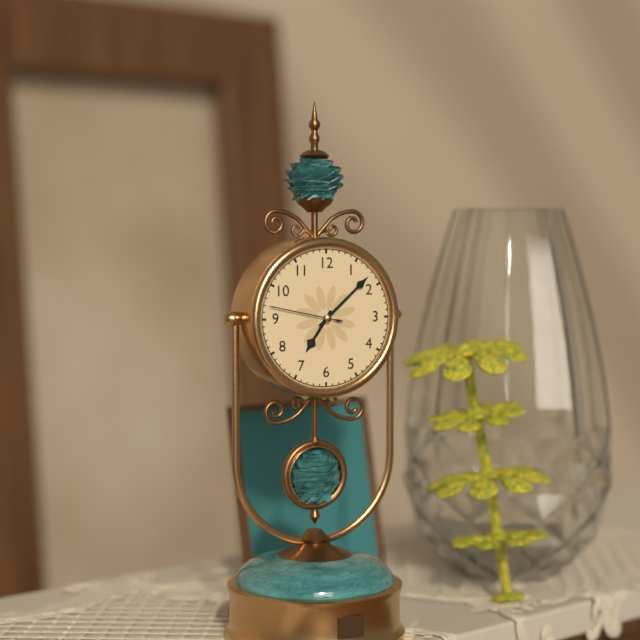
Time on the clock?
7:08:47
